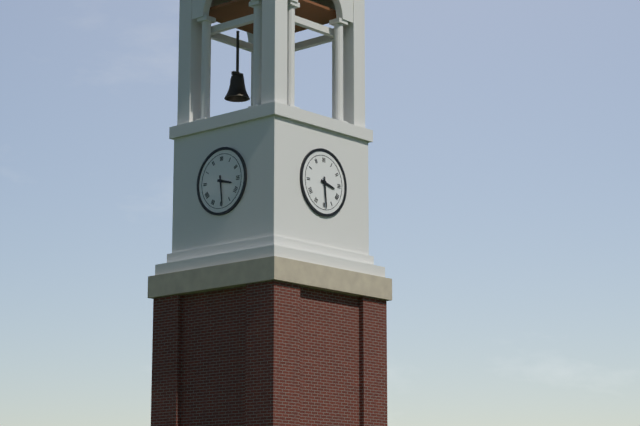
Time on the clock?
3:29
